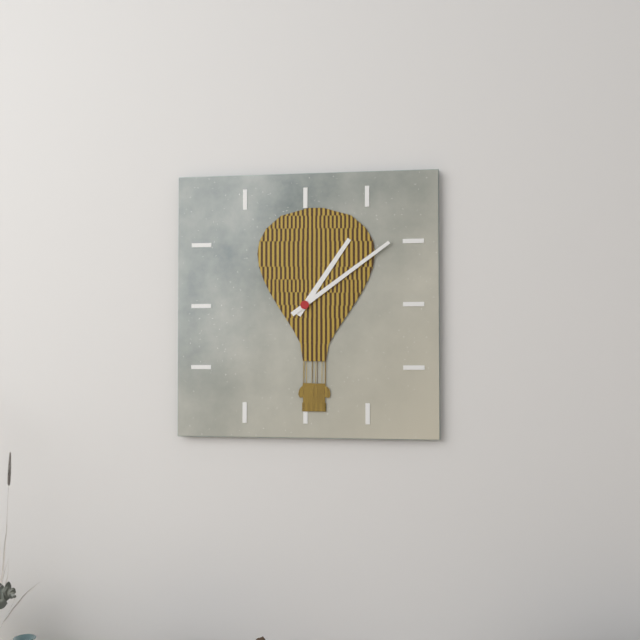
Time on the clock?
1:09
